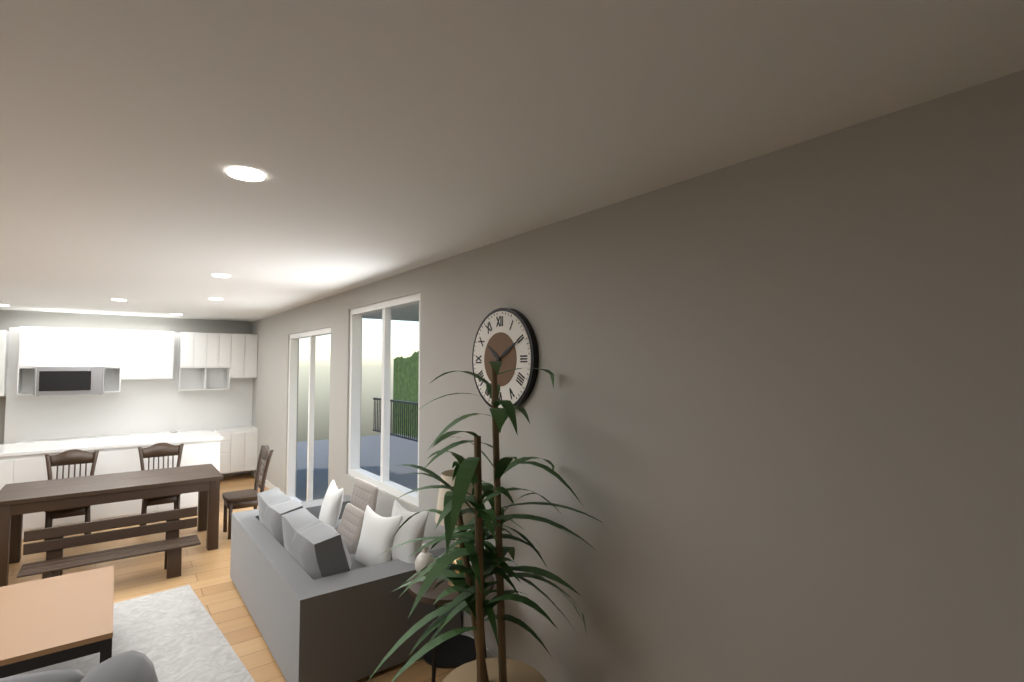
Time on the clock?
10:10
